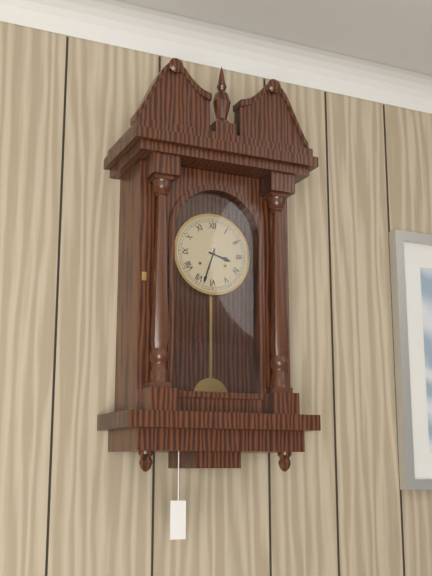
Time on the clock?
3:33
